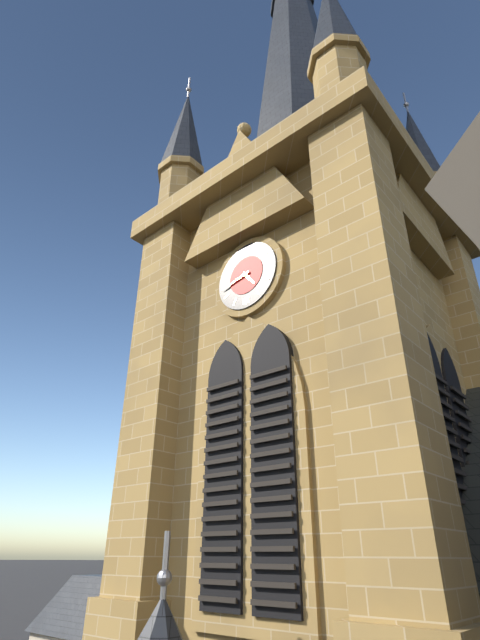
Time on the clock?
4:43
